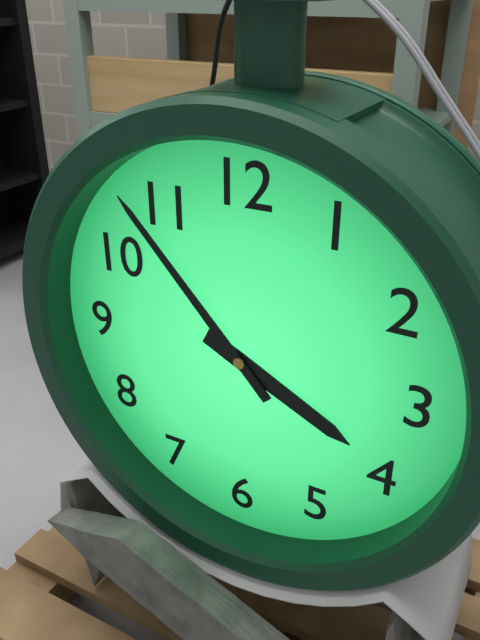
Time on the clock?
3:53
